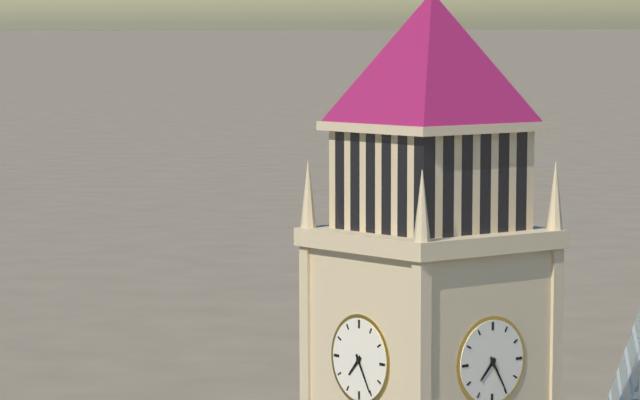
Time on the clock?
7:25
